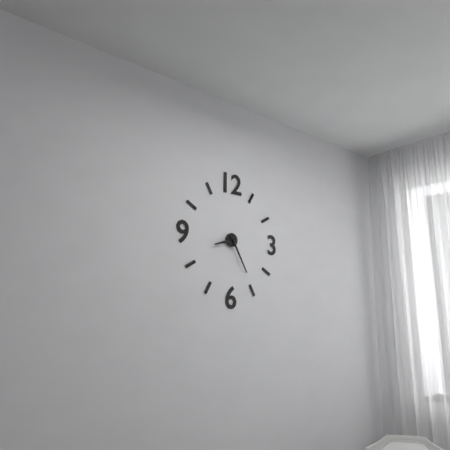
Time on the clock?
8:25
